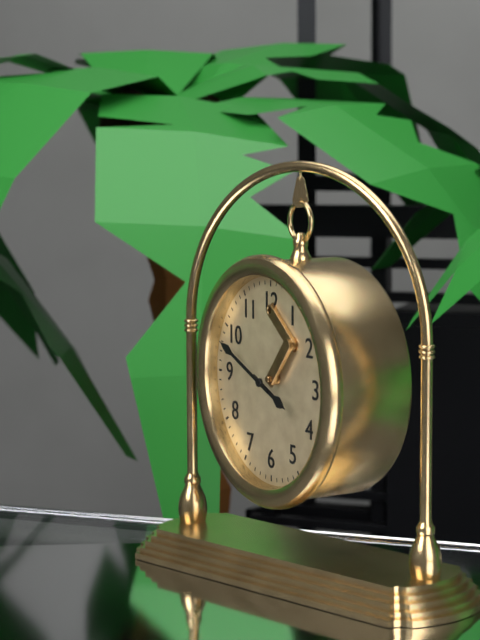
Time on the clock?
3:49
